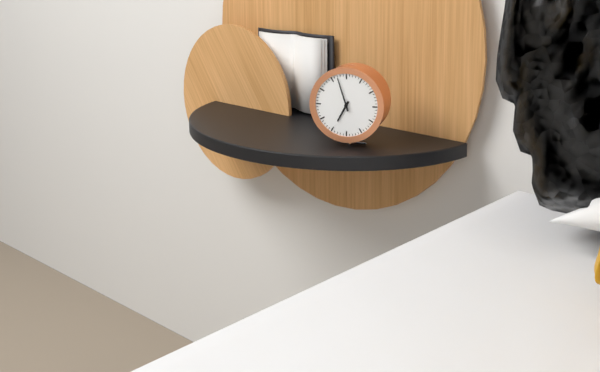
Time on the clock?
6:57
